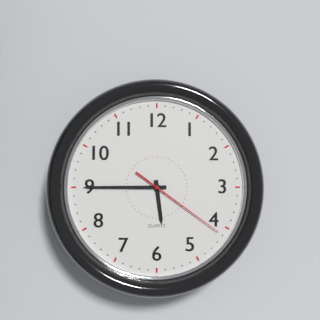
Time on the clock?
5:45:21
